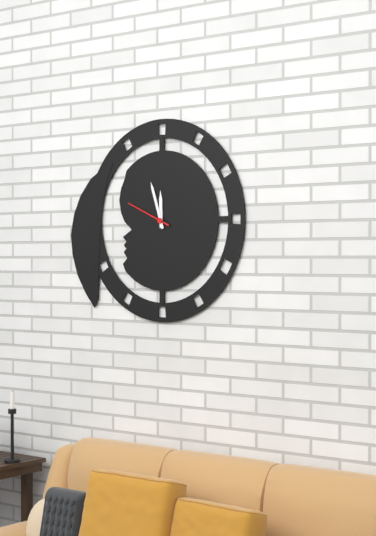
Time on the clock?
11:57
